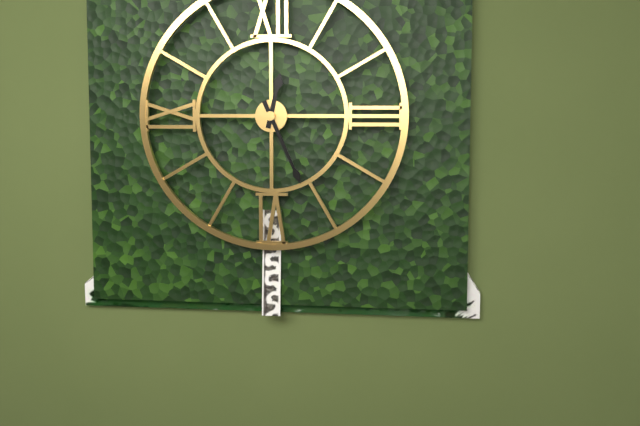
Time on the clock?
12:26
